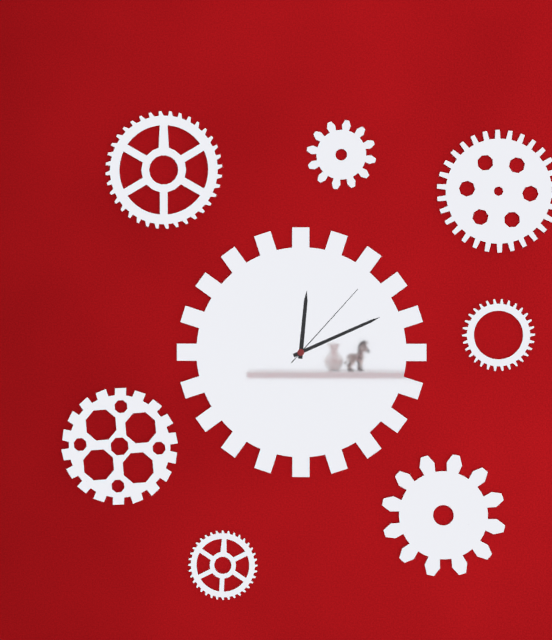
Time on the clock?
12:11:07
